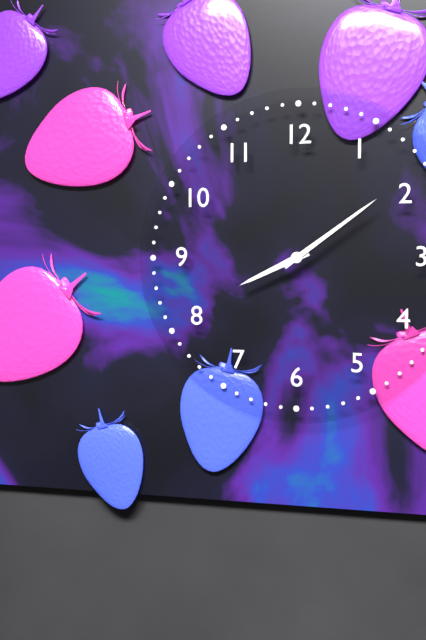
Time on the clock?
8:09
